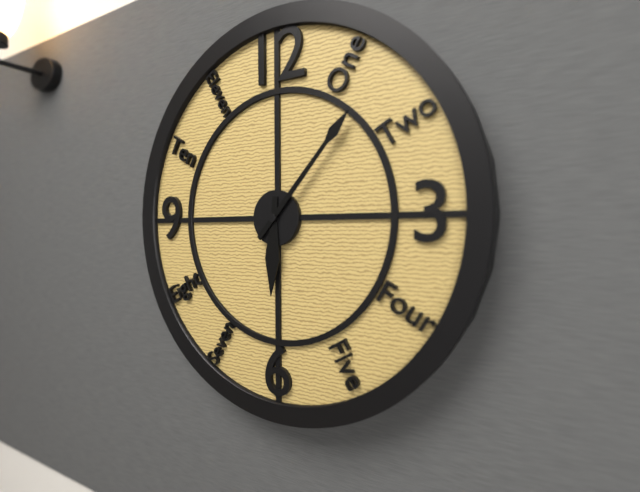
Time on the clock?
6:07
